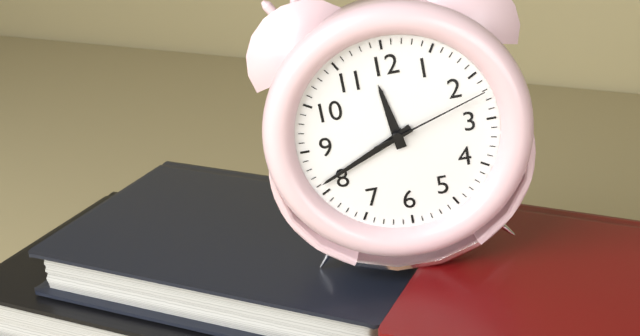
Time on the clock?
11:41:12
